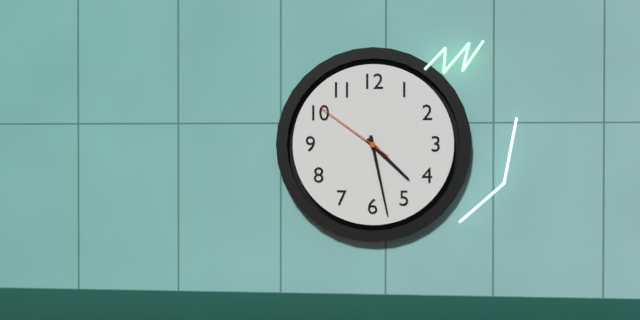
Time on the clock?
4:28:51
